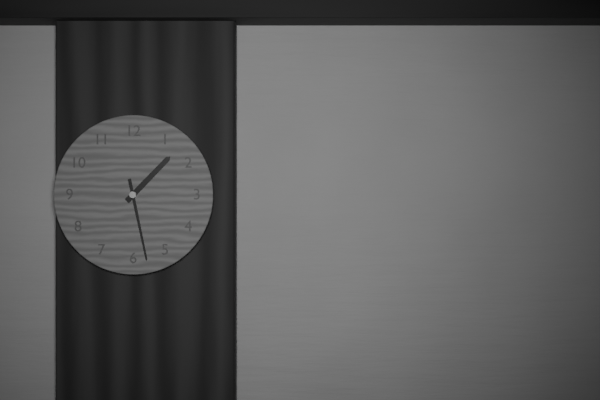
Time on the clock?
1:28
